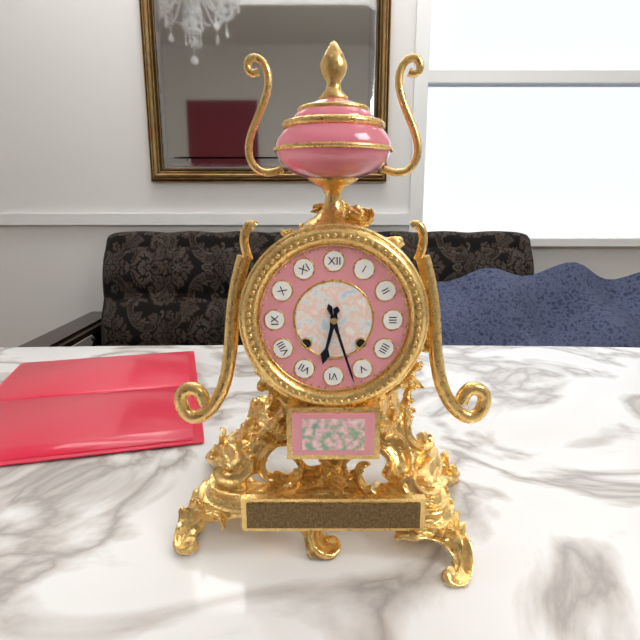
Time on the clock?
6:27
